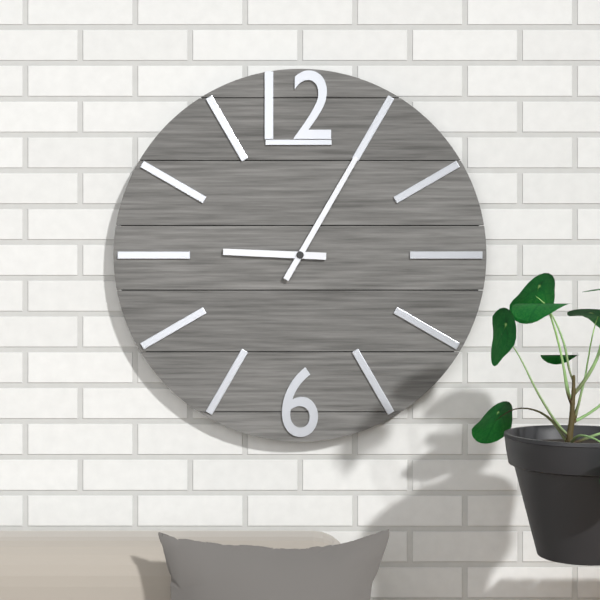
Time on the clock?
9:05
